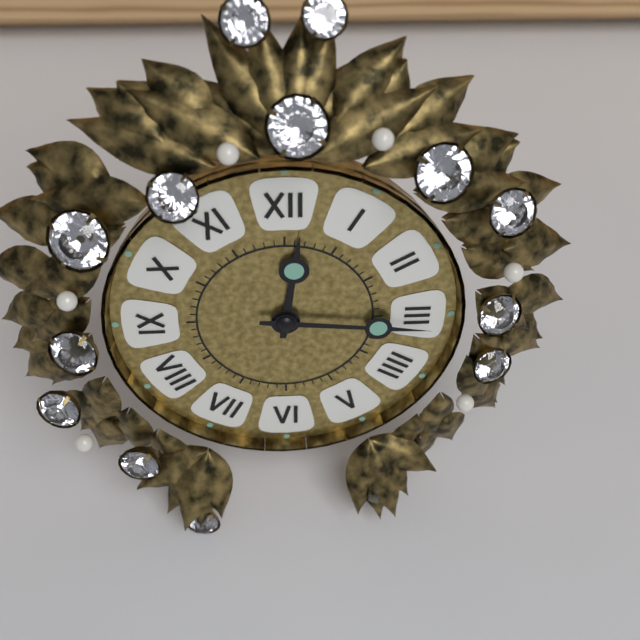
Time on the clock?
12:16
